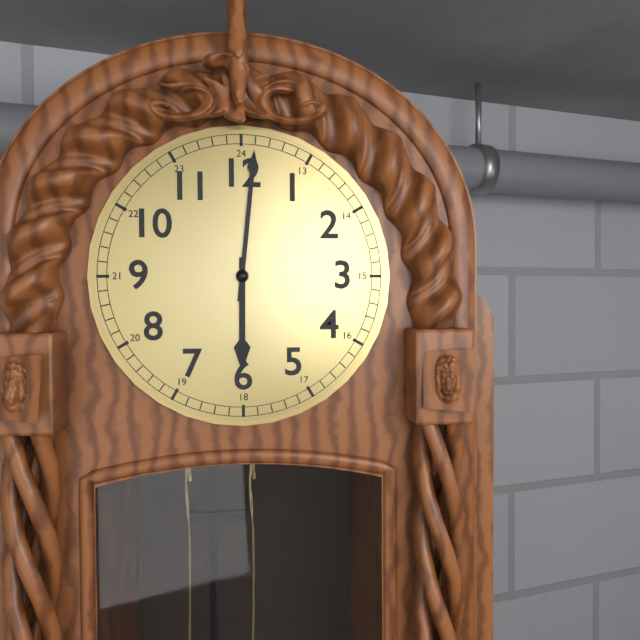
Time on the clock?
6:01
